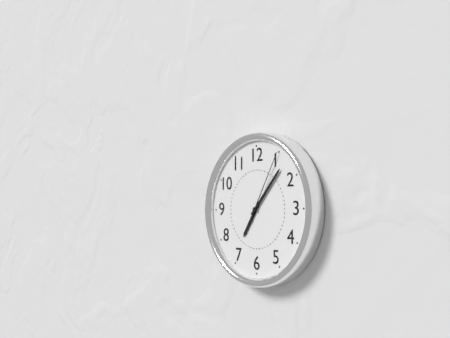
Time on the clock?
7:07:05
